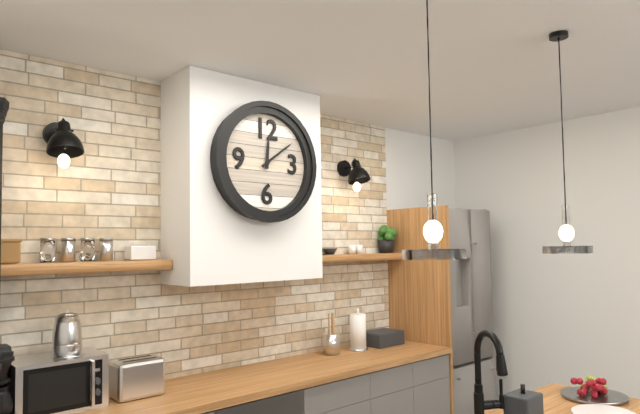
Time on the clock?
12:09
